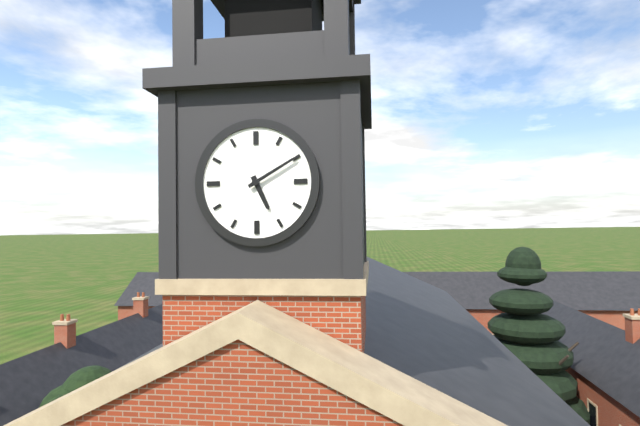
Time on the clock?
5:10
